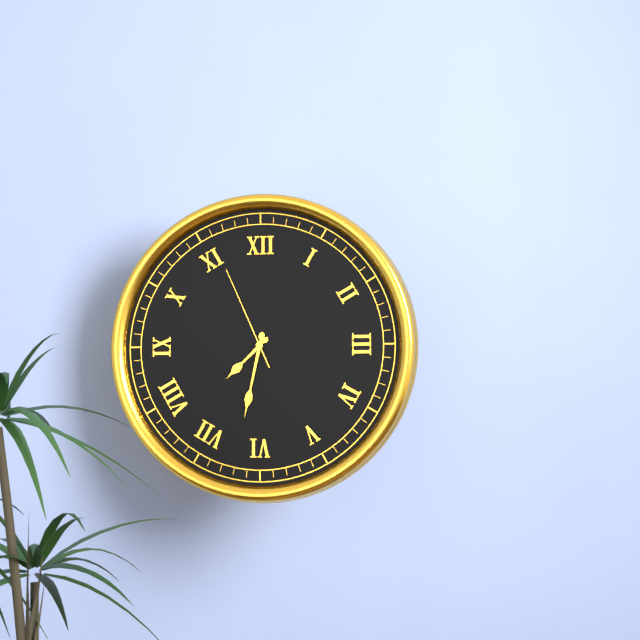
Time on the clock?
7:32:56
